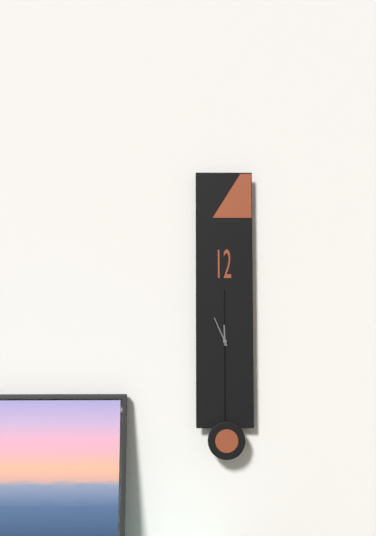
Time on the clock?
11:56
